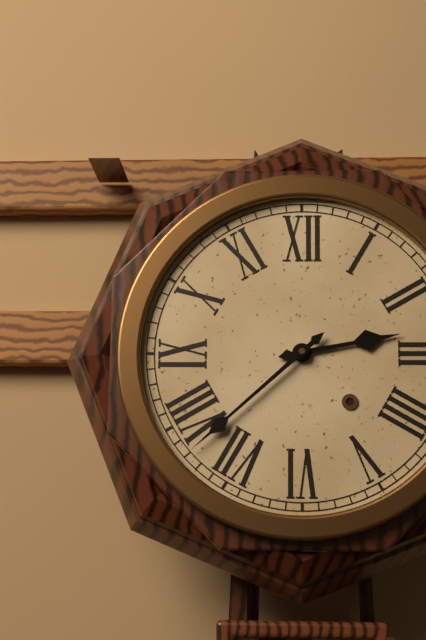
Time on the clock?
2:38
